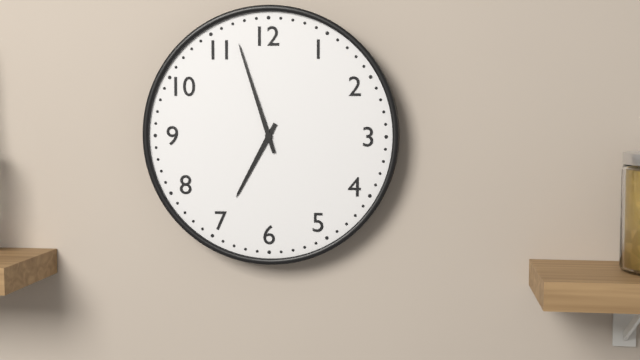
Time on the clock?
6:57
